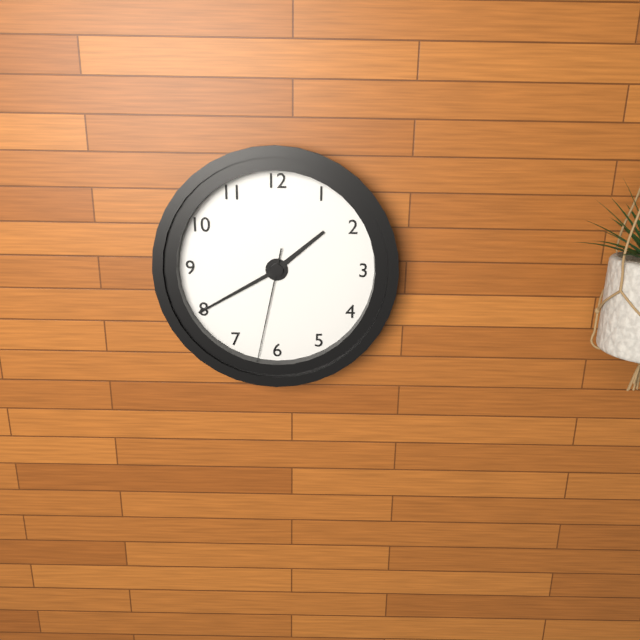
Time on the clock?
1:40:32
